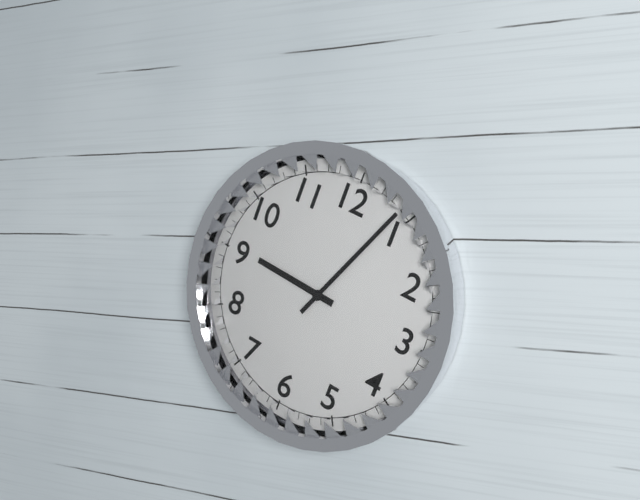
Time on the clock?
9:04
